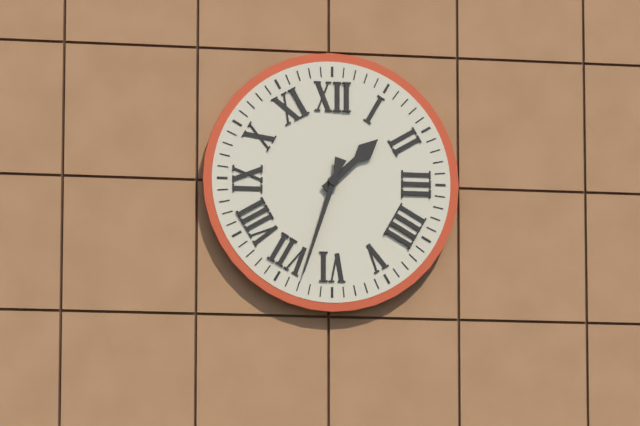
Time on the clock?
1:33
